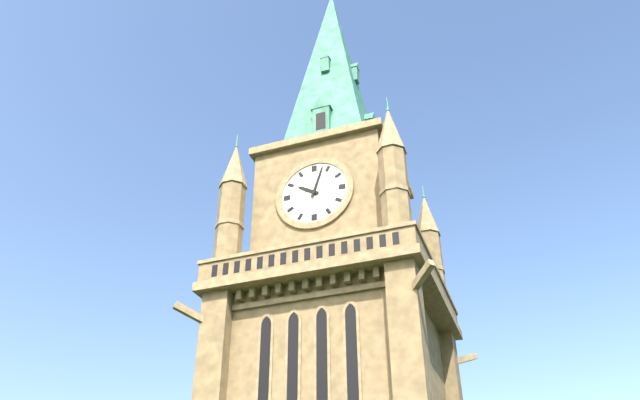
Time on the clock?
10:03
